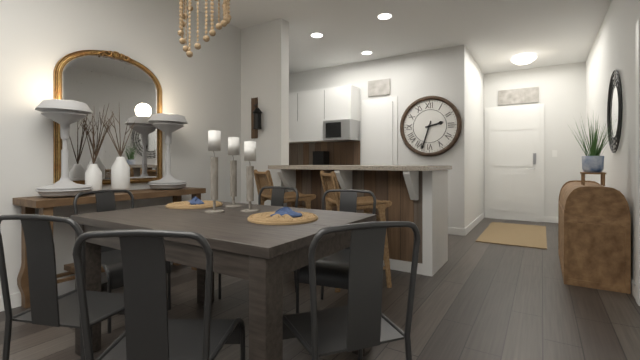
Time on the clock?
2:33
